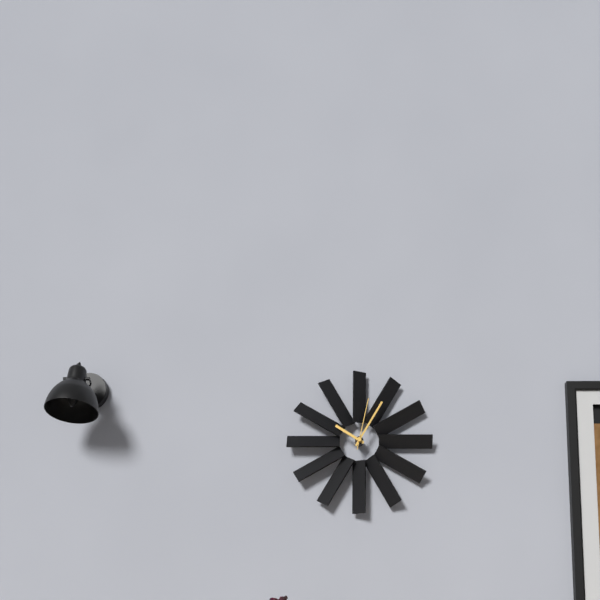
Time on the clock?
10:05:02
